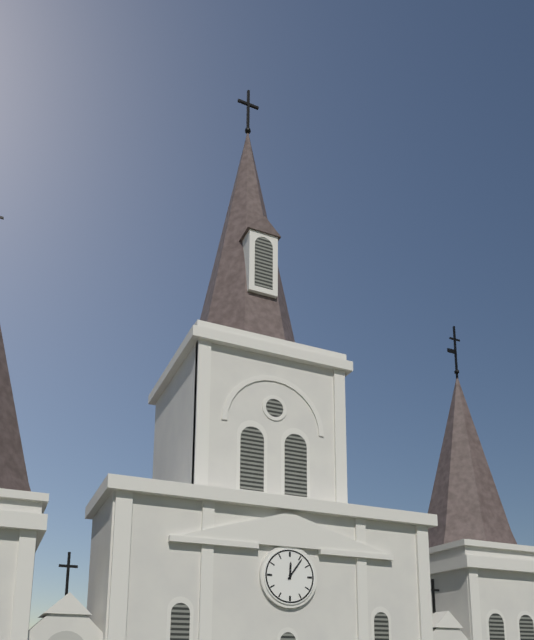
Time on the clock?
12:06
